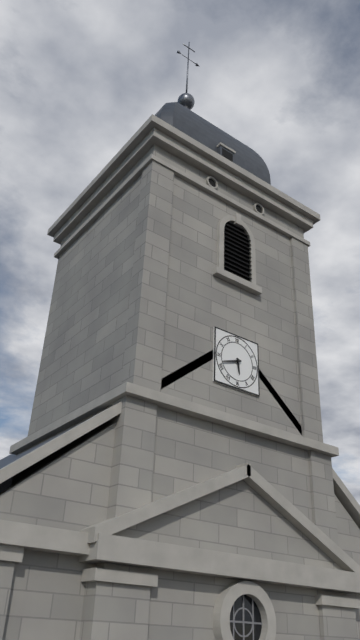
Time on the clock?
5:42
